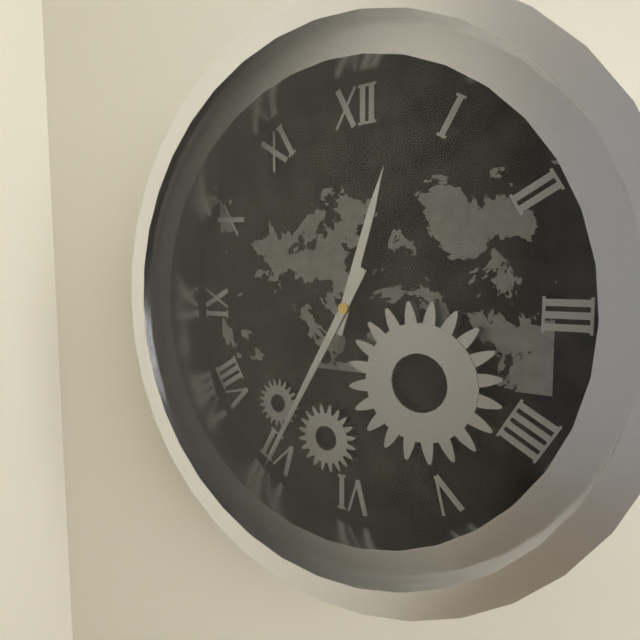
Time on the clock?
12:35
